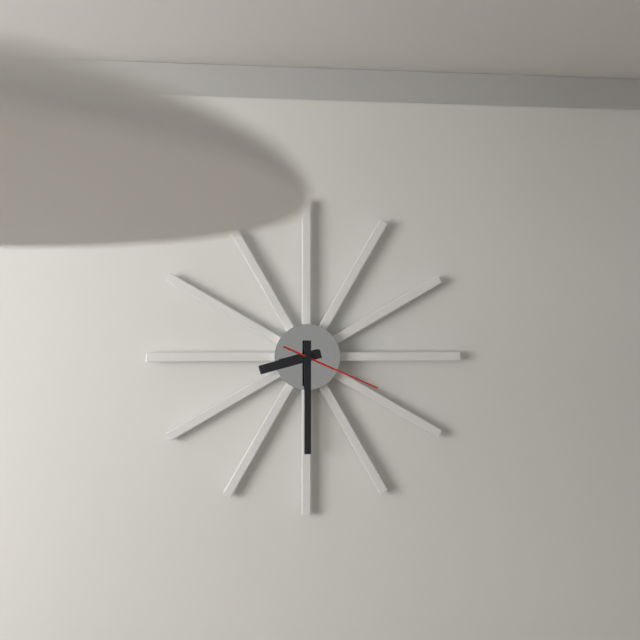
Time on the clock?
8:30:19
